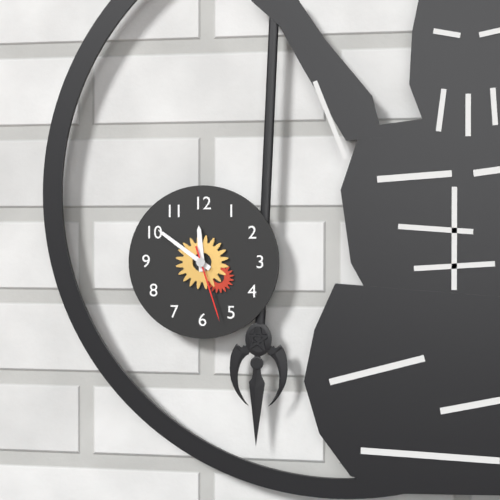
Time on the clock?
11:51:27
